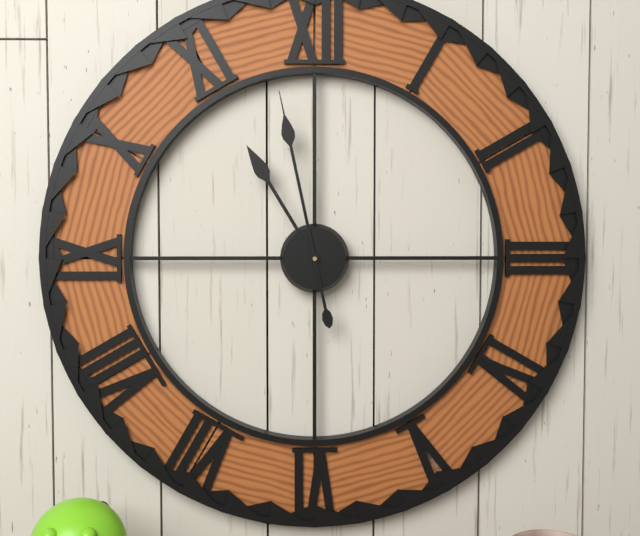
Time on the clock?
10:58
